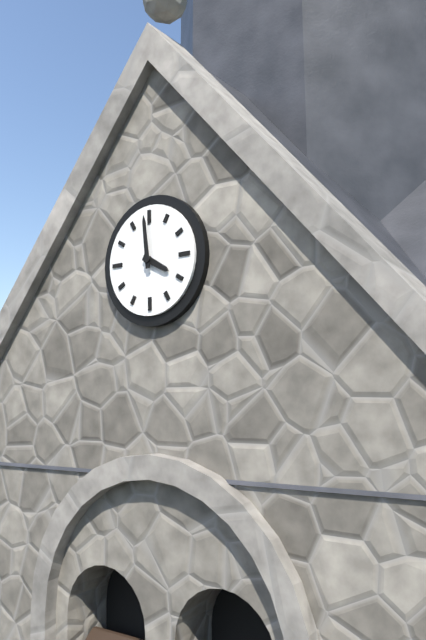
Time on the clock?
3:59
